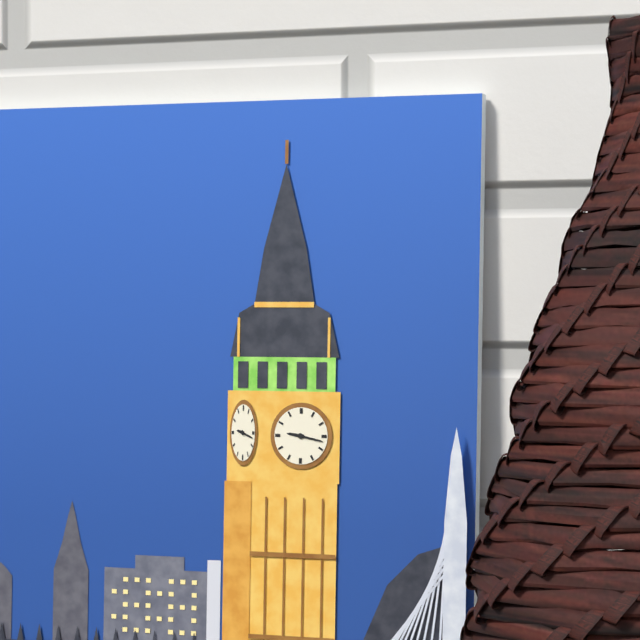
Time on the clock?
9:17
